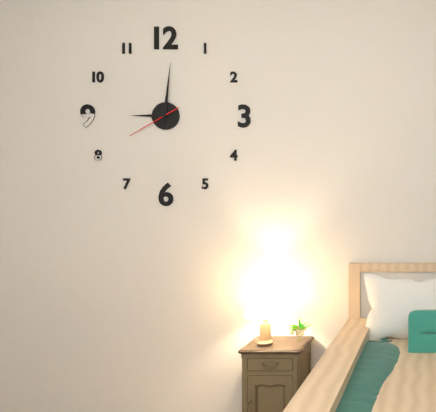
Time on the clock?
9:01:40
